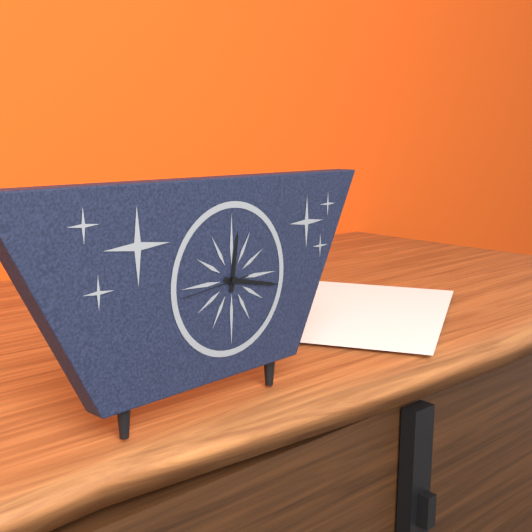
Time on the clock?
12:17:44
